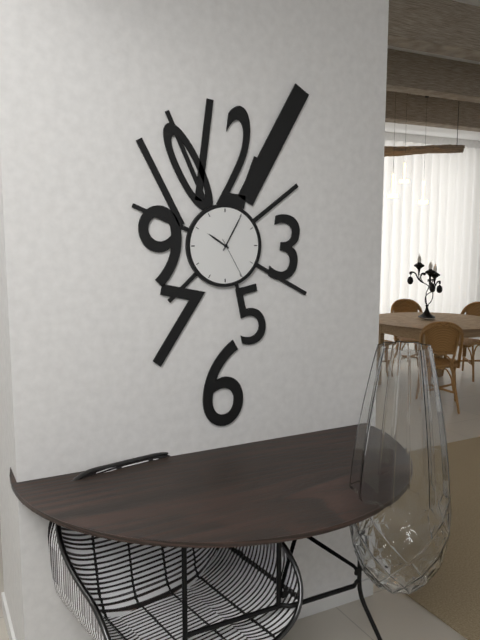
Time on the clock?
10:05
